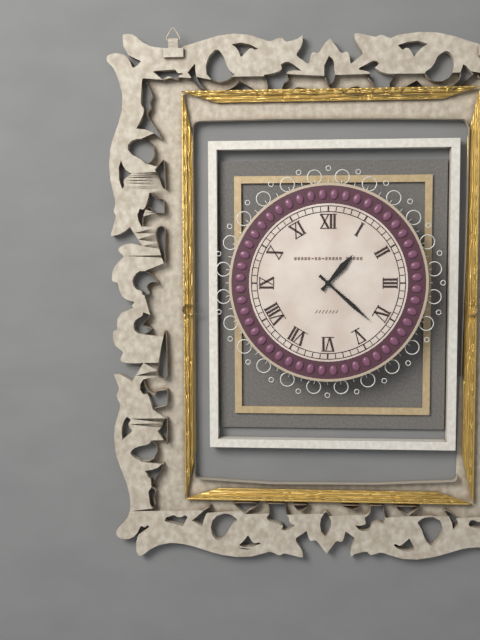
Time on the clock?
1:22
